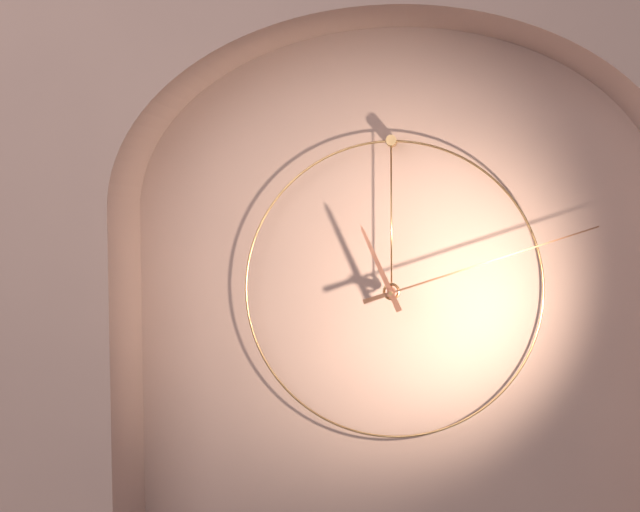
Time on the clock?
11:12
